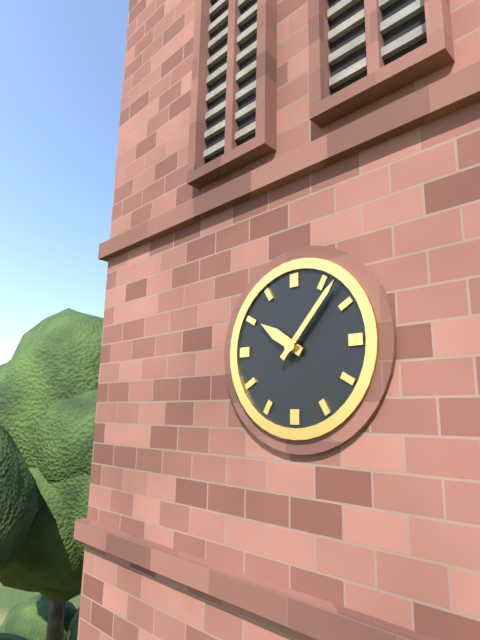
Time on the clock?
10:07
